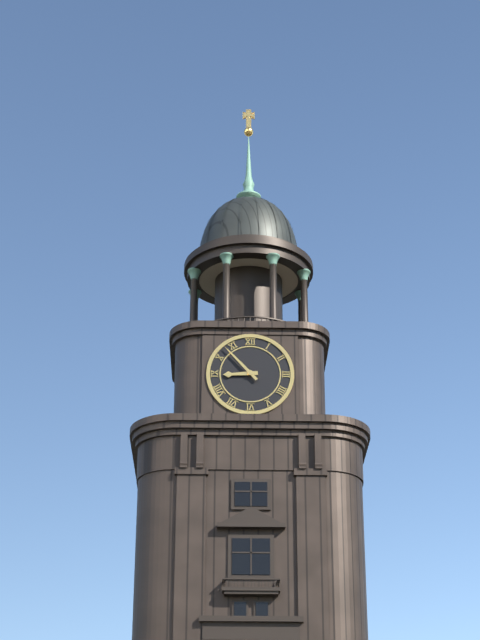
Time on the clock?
8:53
